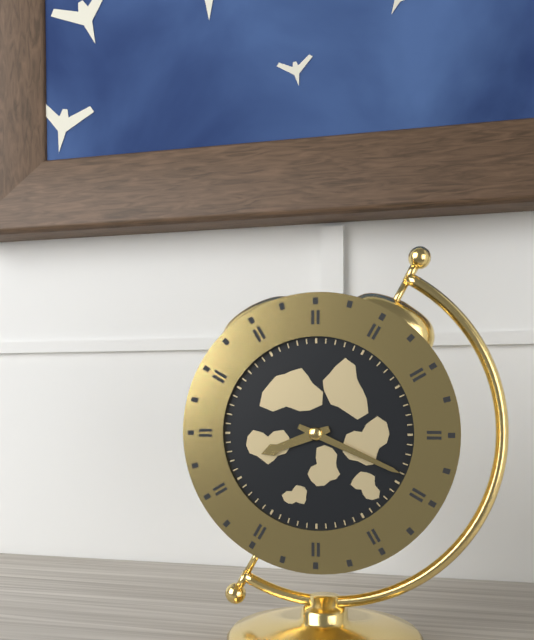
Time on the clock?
8:19
